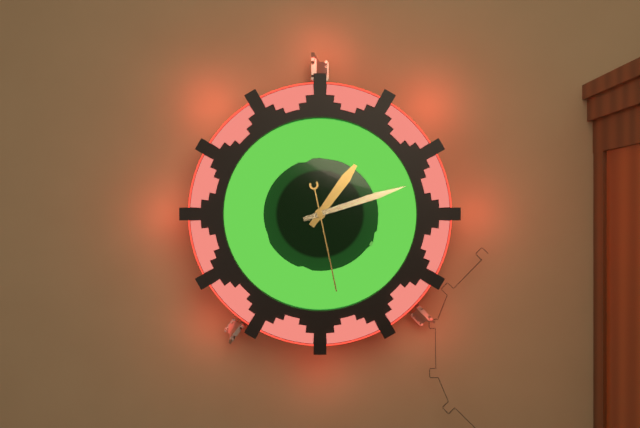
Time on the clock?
1:12:28
